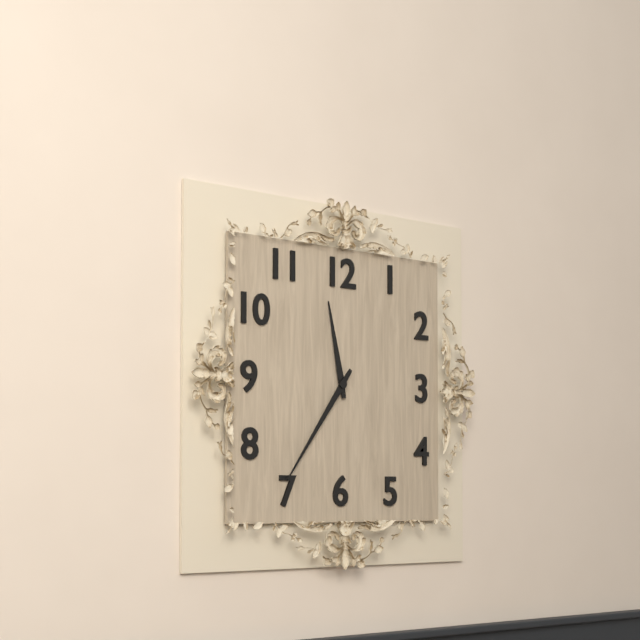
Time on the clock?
11:36
